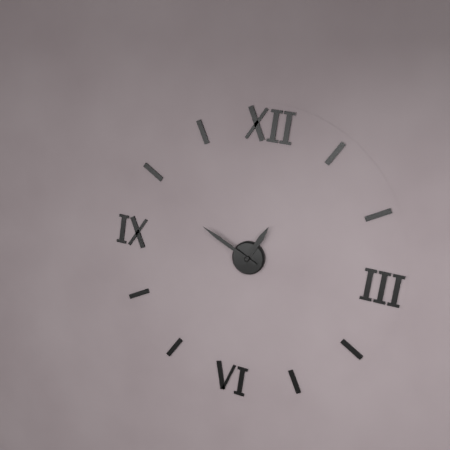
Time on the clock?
12:49
